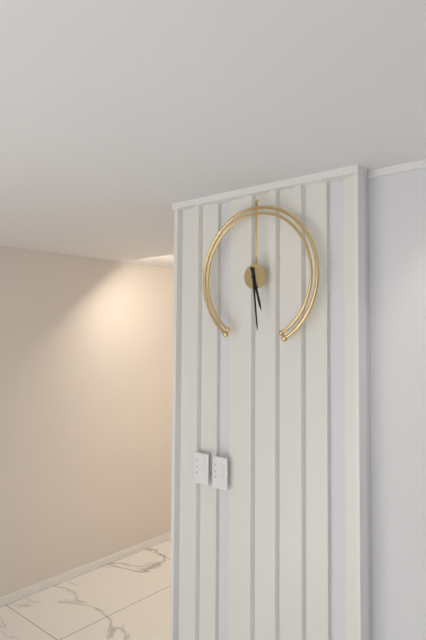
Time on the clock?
5:29
